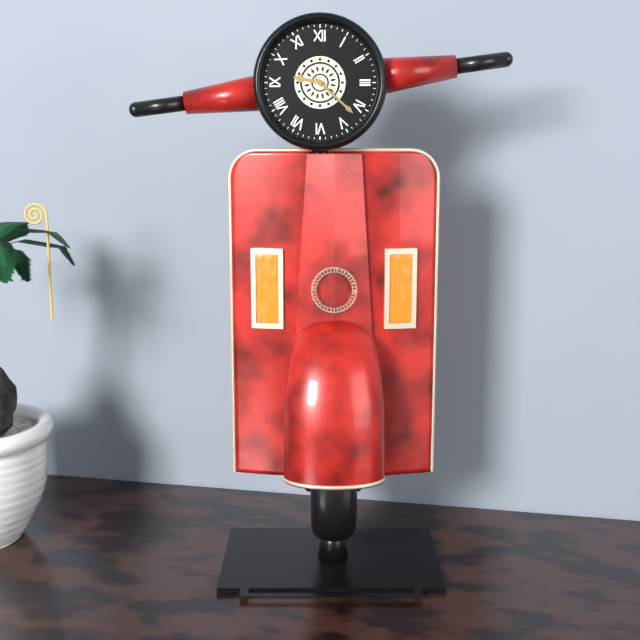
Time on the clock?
9:22
